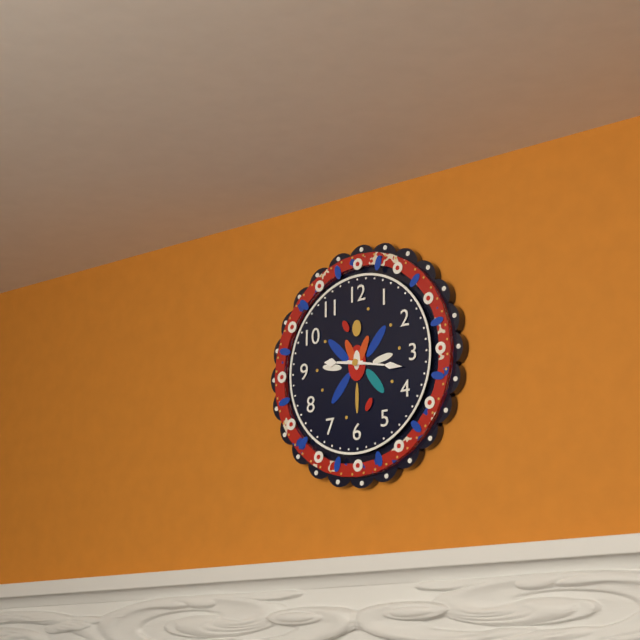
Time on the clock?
9:17
